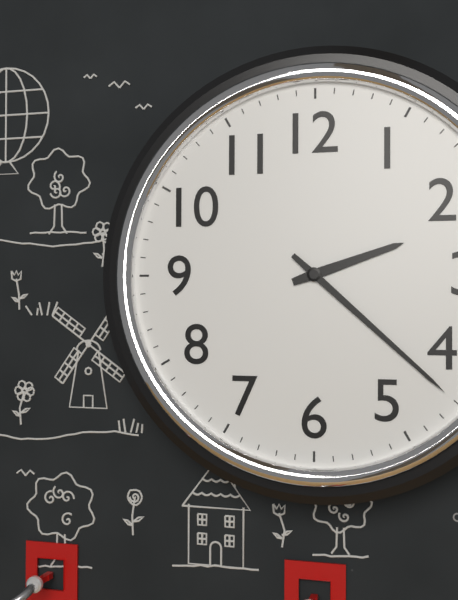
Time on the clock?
2:22
